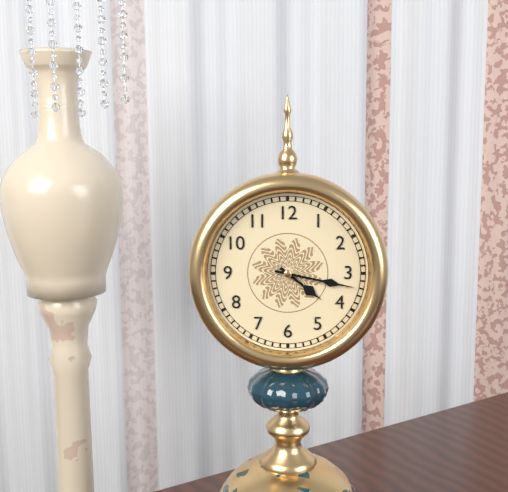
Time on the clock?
4:17
